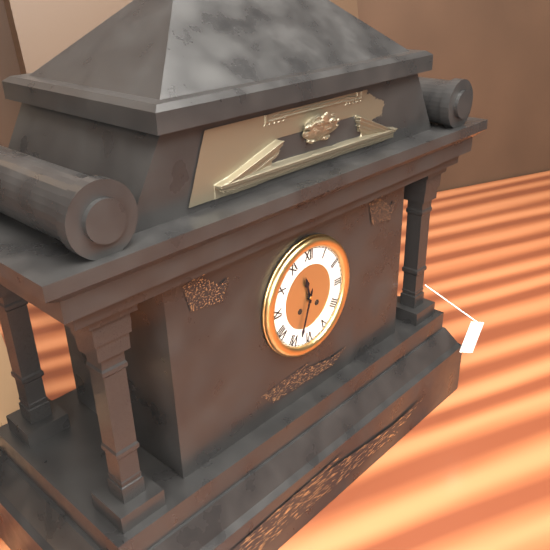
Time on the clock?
11:33
